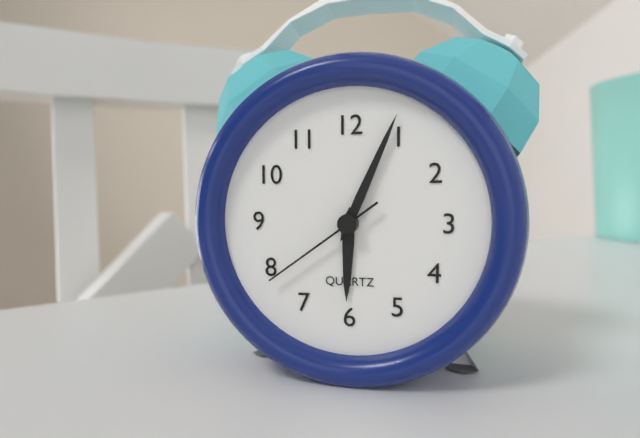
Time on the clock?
6:04:39
